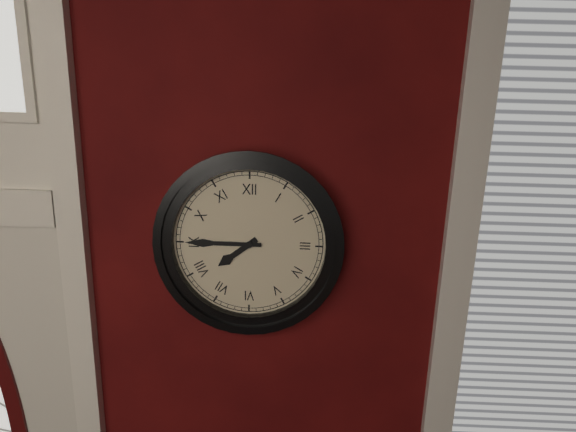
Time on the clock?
7:45
